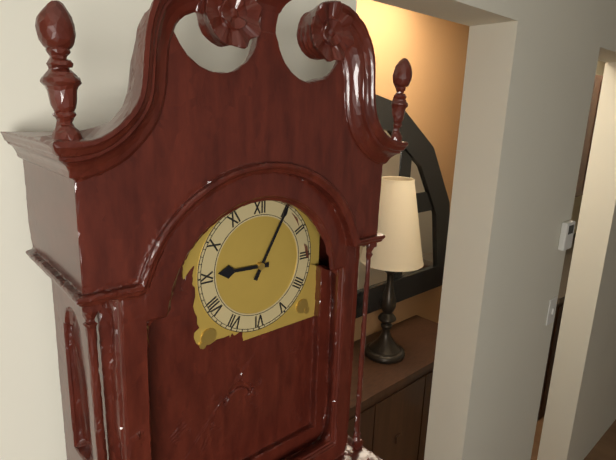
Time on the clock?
9:05
